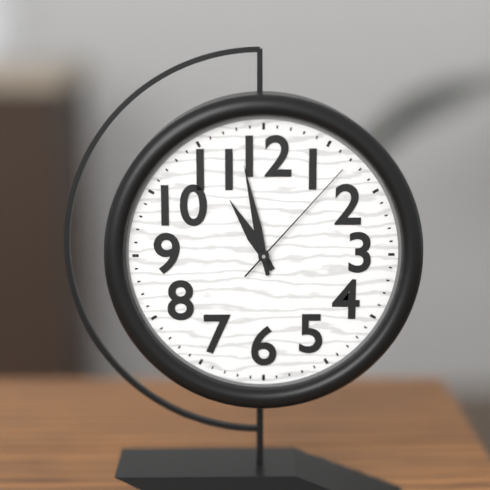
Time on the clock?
10:58:07
